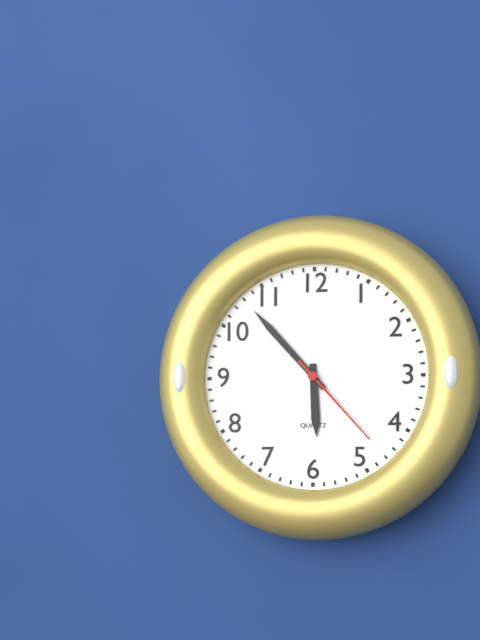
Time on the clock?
5:53:23
